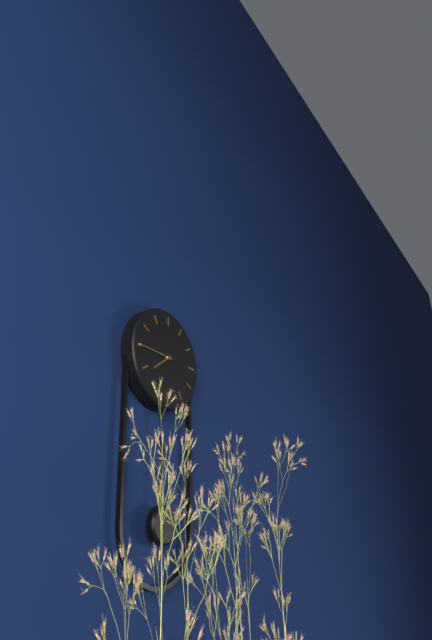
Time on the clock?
7:45
